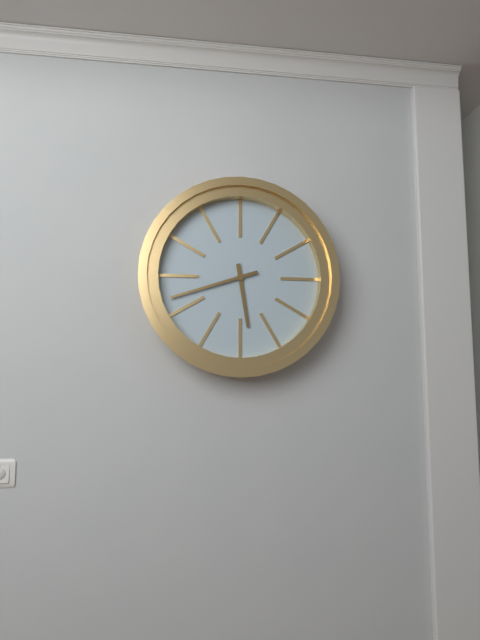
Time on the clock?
5:42
